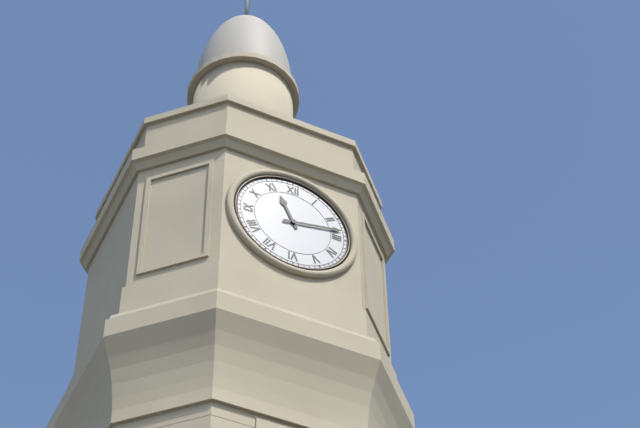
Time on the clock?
11:13
